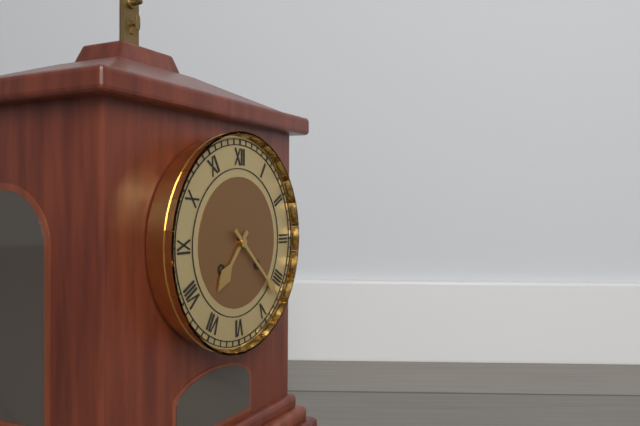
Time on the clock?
7:22
